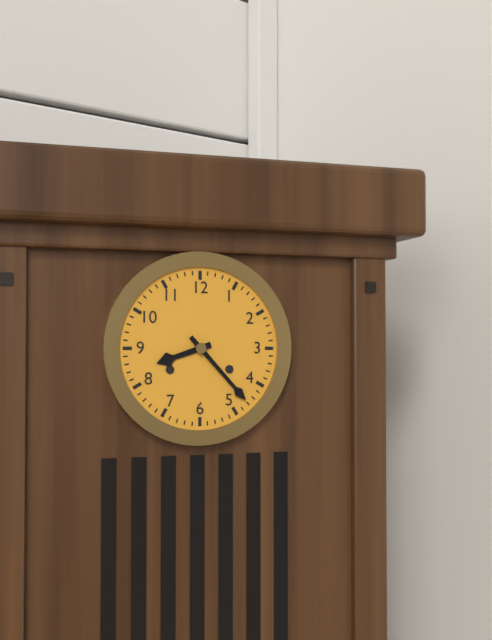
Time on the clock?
8:23
